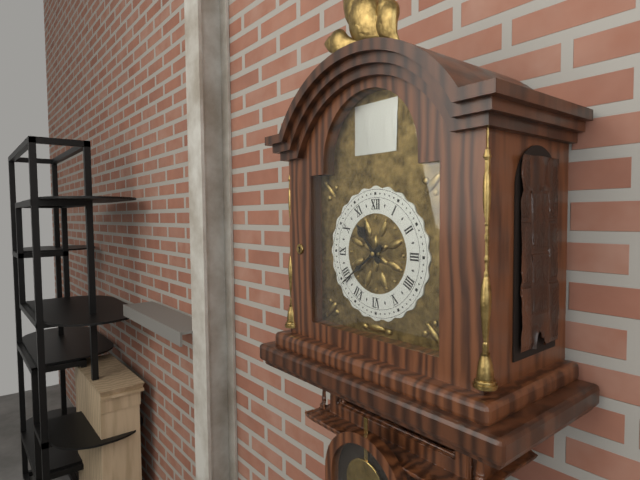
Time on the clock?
10:39
